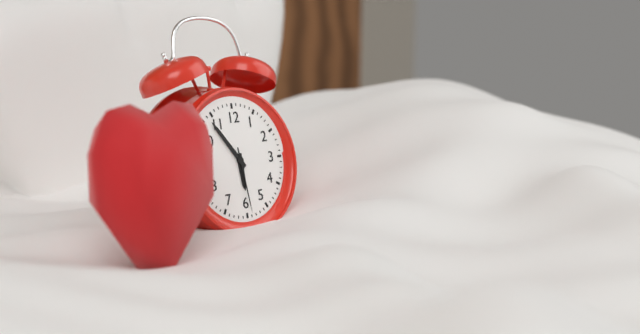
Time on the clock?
5:54:29
